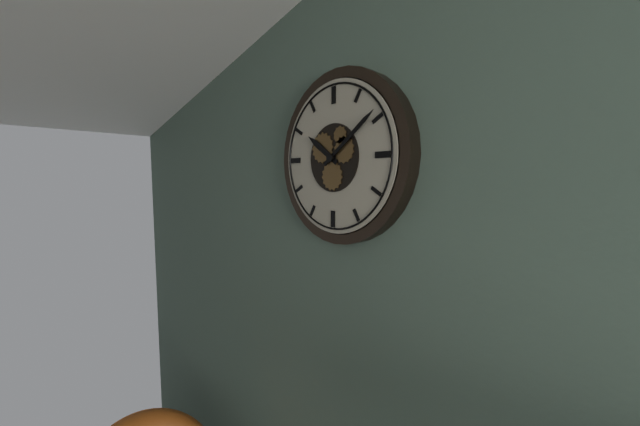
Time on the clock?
10:09
